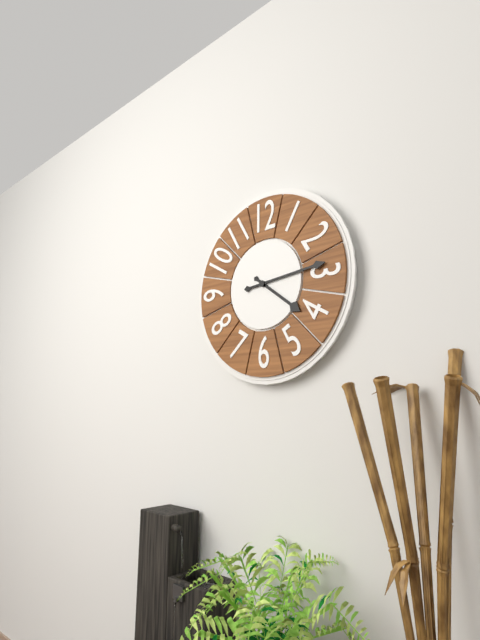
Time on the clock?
4:14
